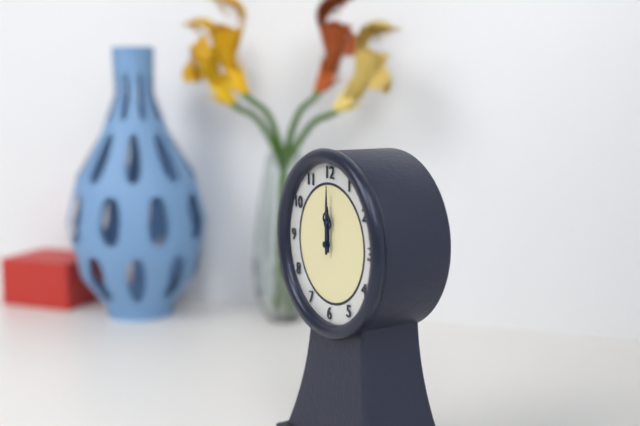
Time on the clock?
12:00
